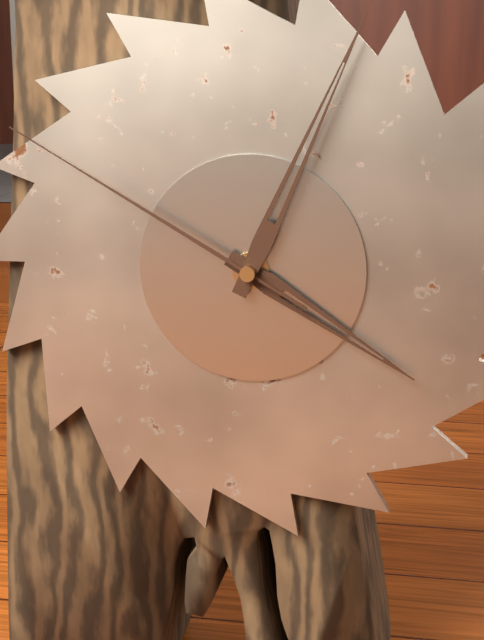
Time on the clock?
4:04:50
